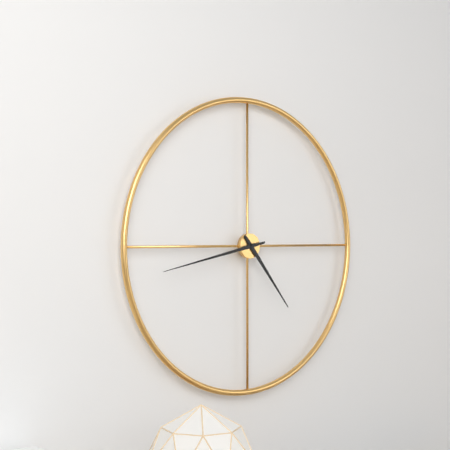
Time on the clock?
4:43
